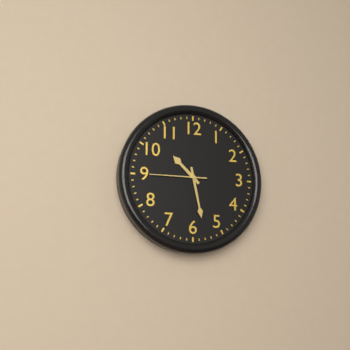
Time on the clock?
10:28:45
